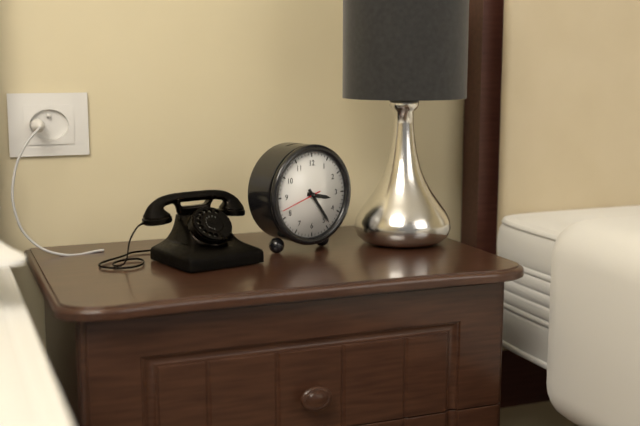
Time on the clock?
3:24
